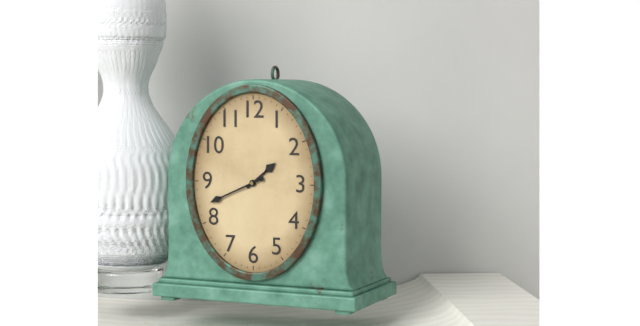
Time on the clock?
1:41
